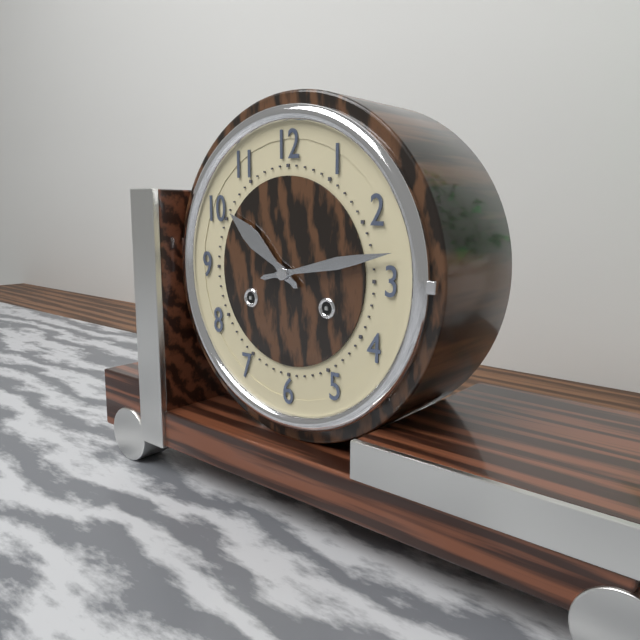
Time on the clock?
10:13
